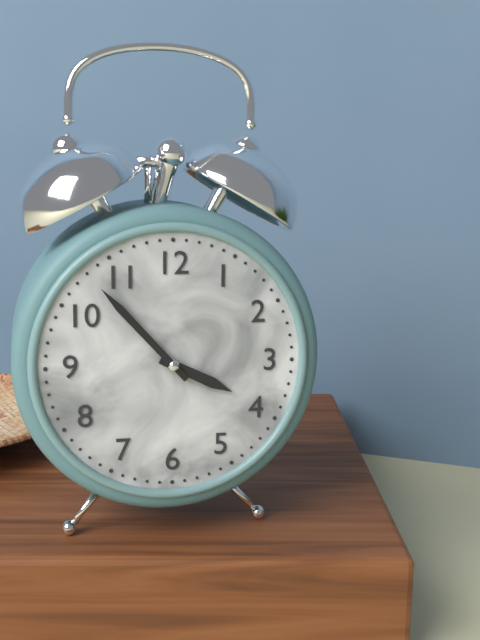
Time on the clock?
3:53
